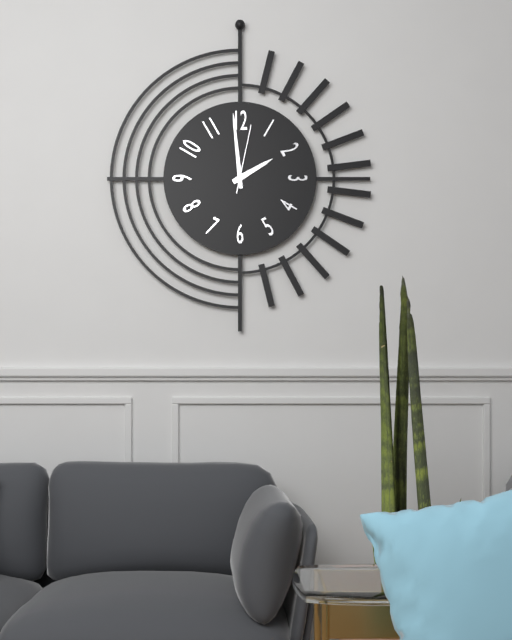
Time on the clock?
1:59:02
